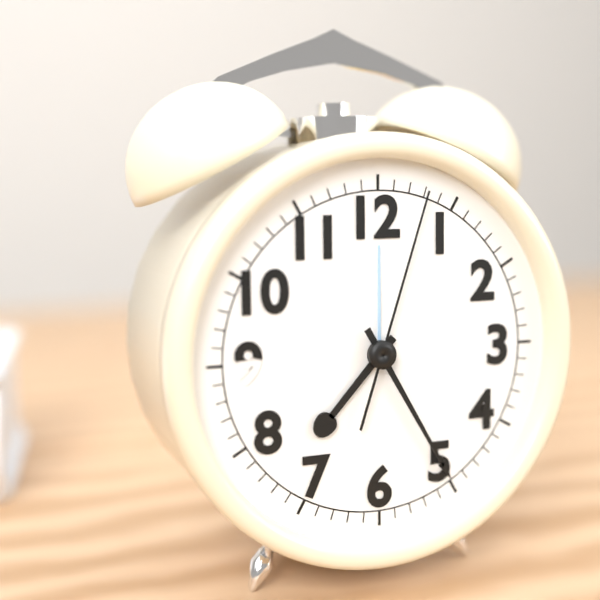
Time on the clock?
7:25:03
